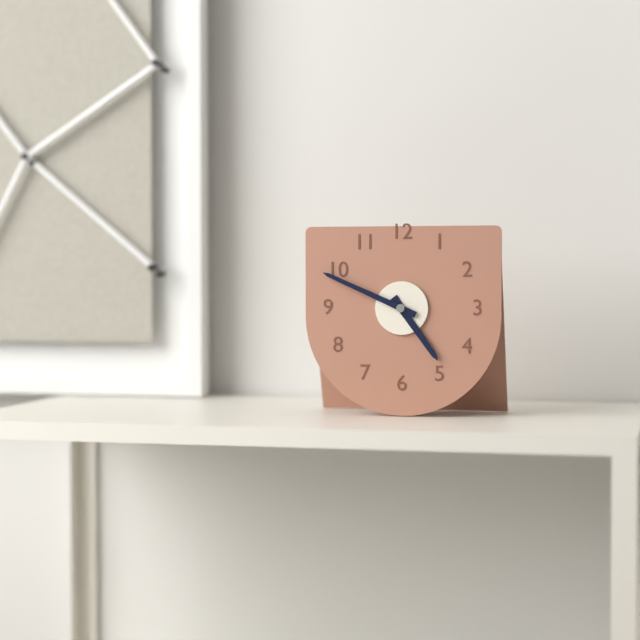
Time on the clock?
4:49
